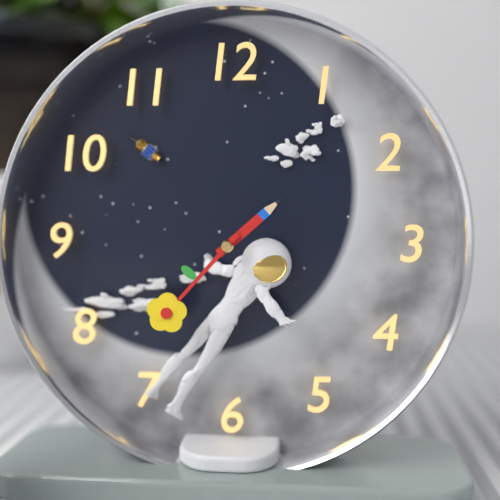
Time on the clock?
1:37
